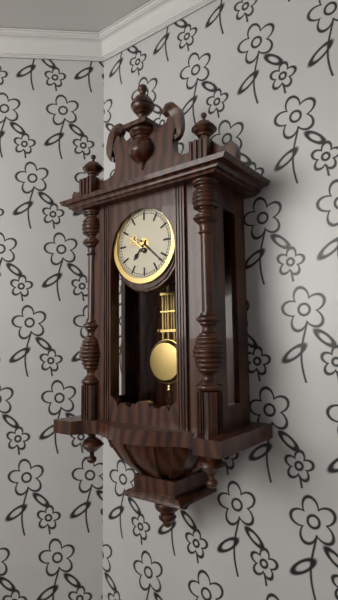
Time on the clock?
7:22
